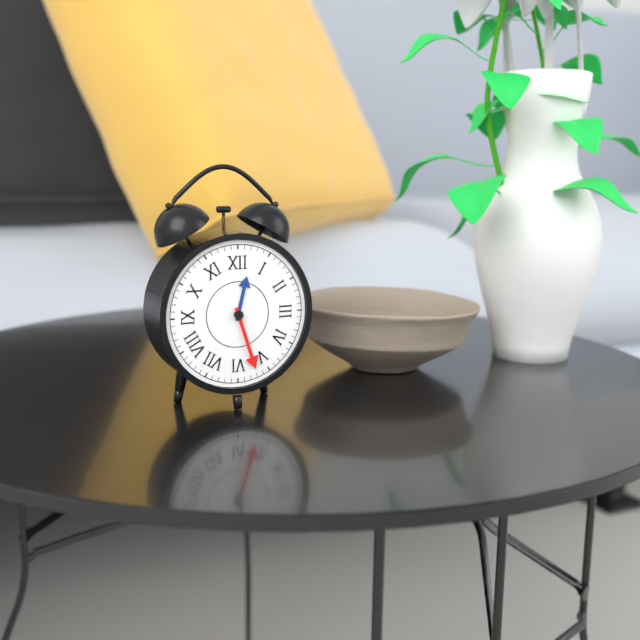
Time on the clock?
12:27
